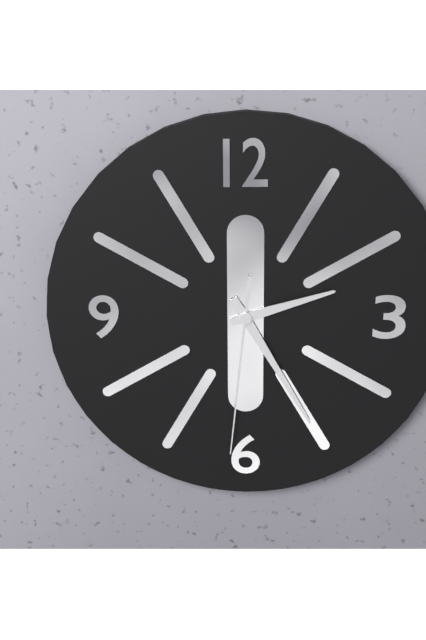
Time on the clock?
2:25:31
